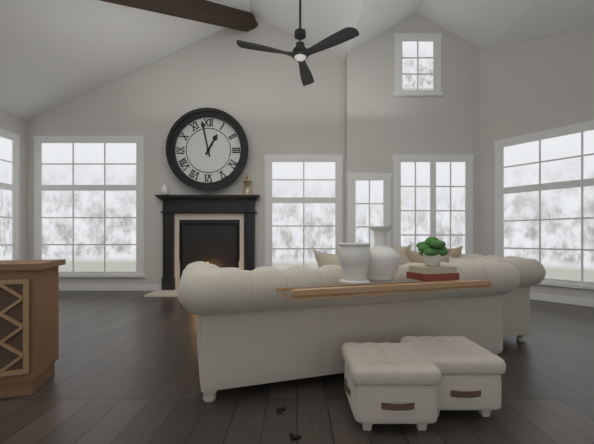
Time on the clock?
12:58
